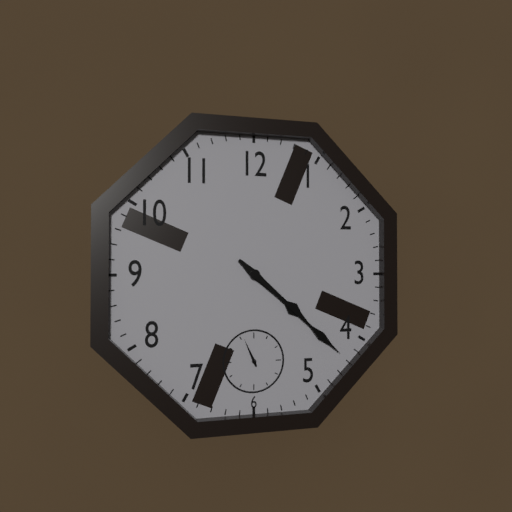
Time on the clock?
4:22
